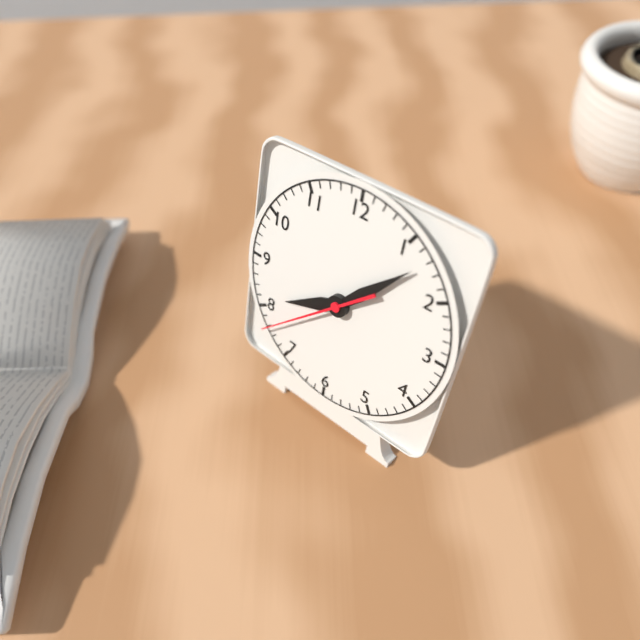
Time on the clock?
8:07:38
